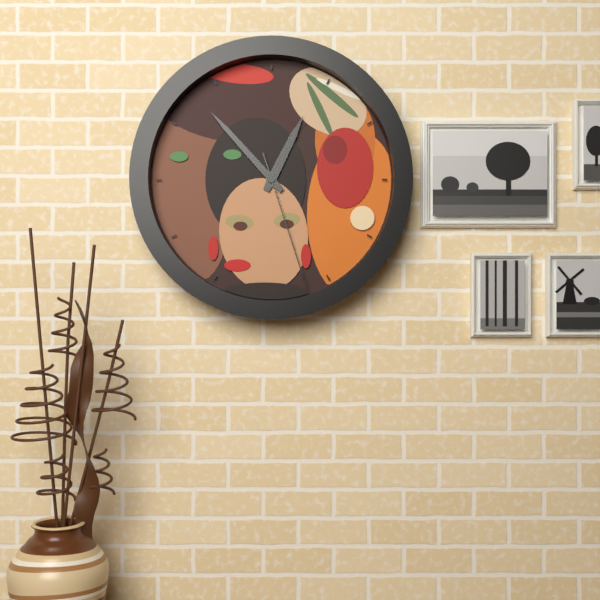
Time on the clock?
12:53:27
